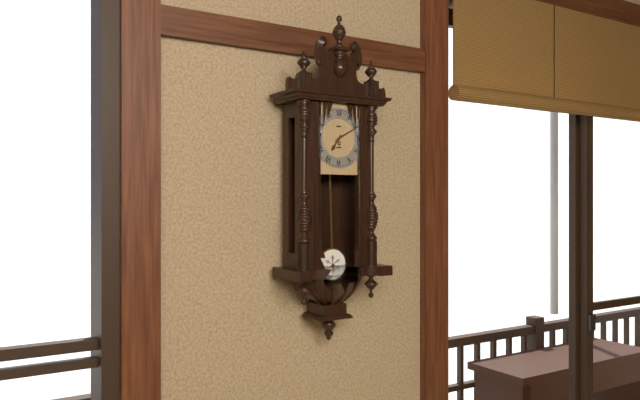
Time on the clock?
7:10
